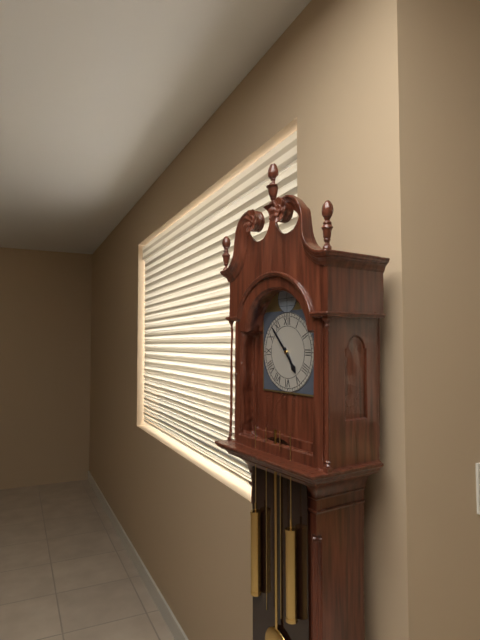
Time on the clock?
4:53
